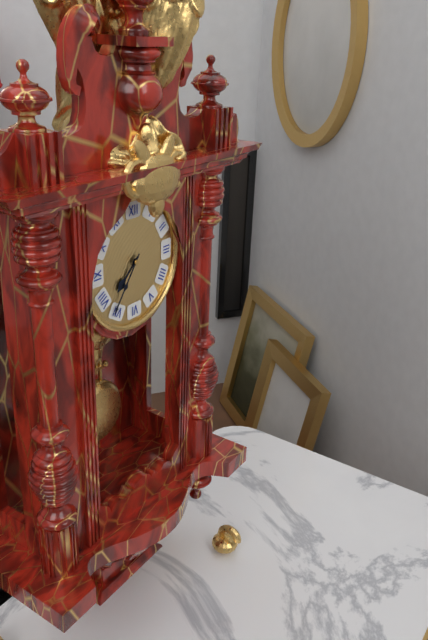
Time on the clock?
7:36
